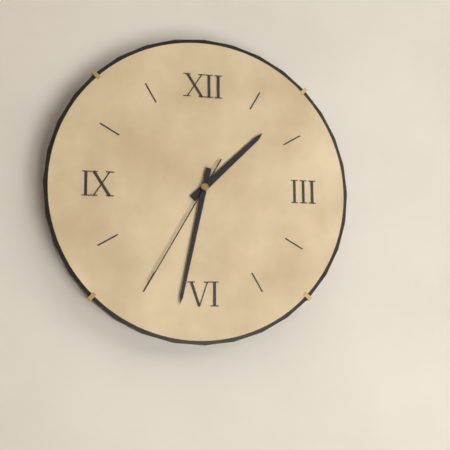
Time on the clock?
1:32:35
